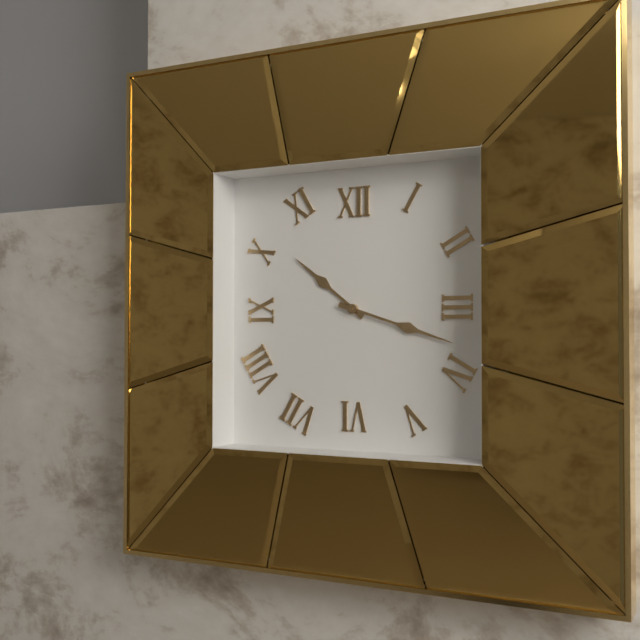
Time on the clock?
10:18
